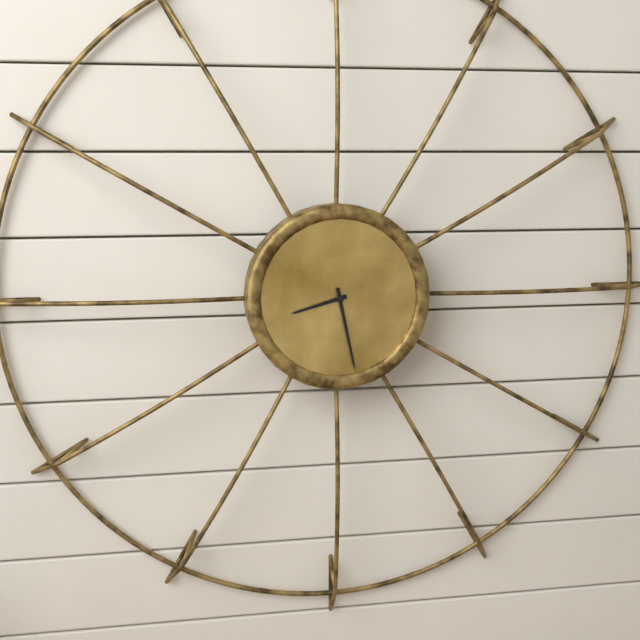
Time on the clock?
8:28
